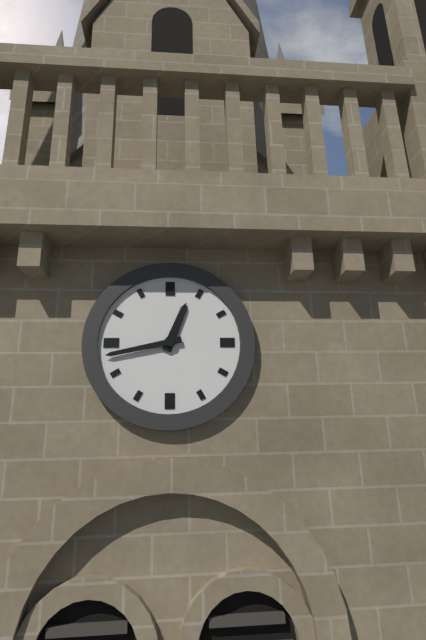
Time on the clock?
12:43
